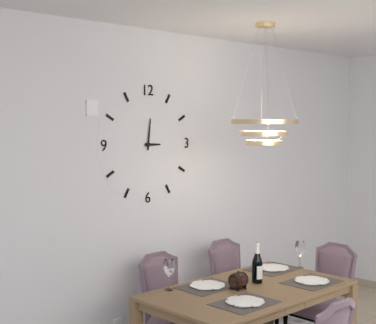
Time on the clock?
3:01
